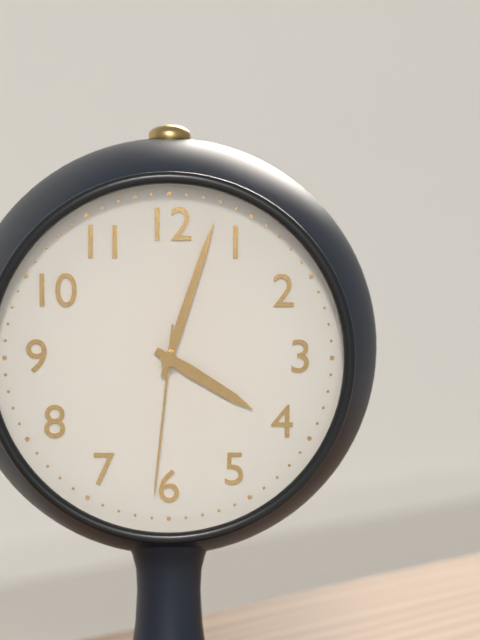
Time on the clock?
4:03:31
